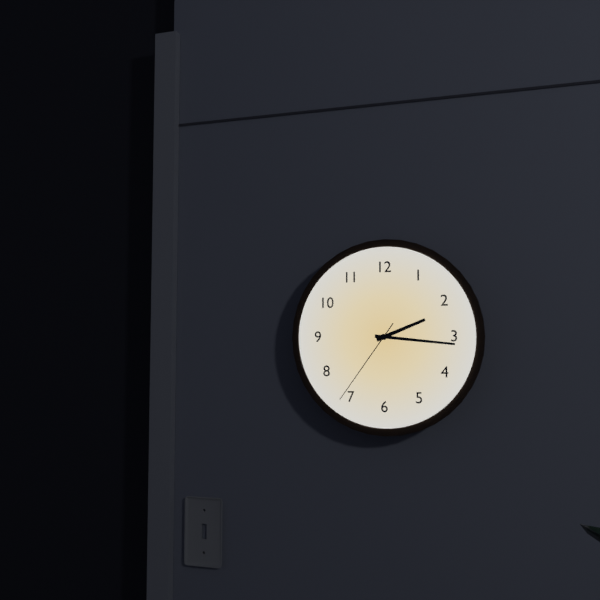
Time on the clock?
2:16:36
